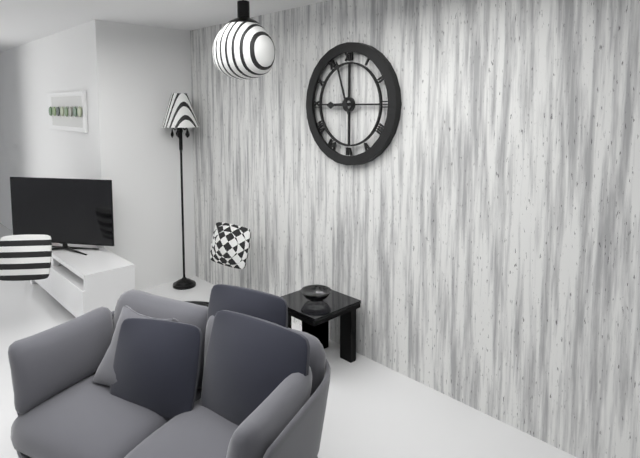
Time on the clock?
8:57
